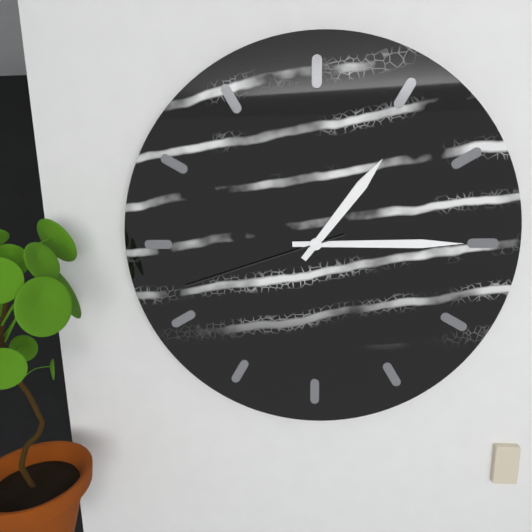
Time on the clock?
1:15:42
